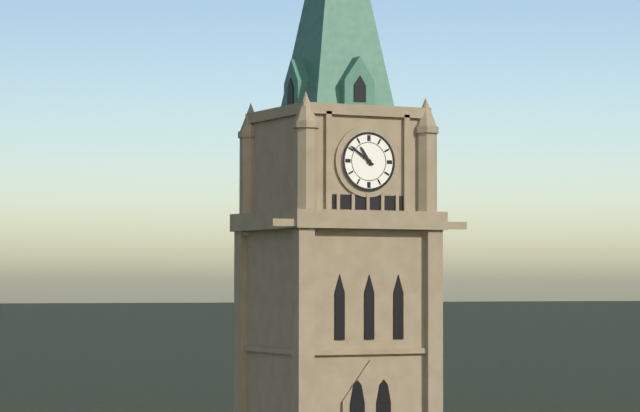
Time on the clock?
10:51
